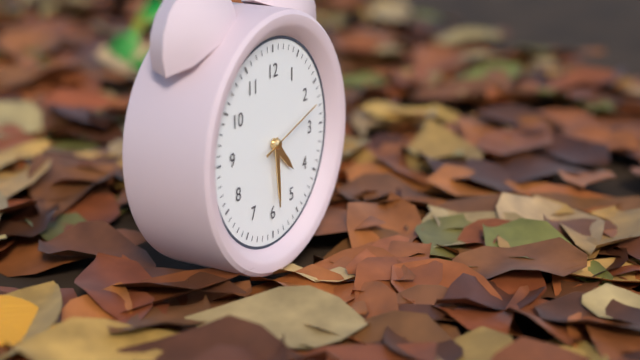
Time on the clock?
4:29:12
